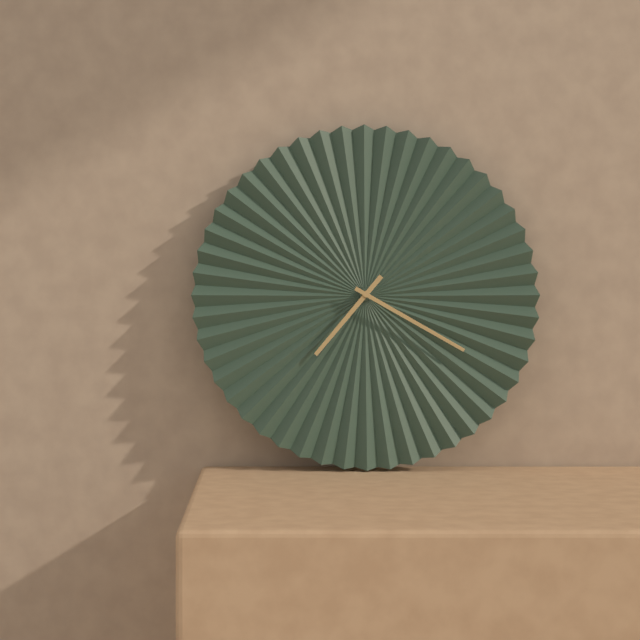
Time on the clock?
7:20
